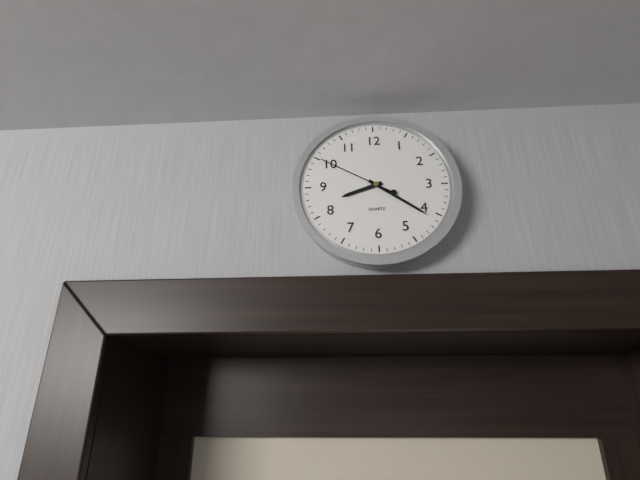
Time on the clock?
8:21:50
